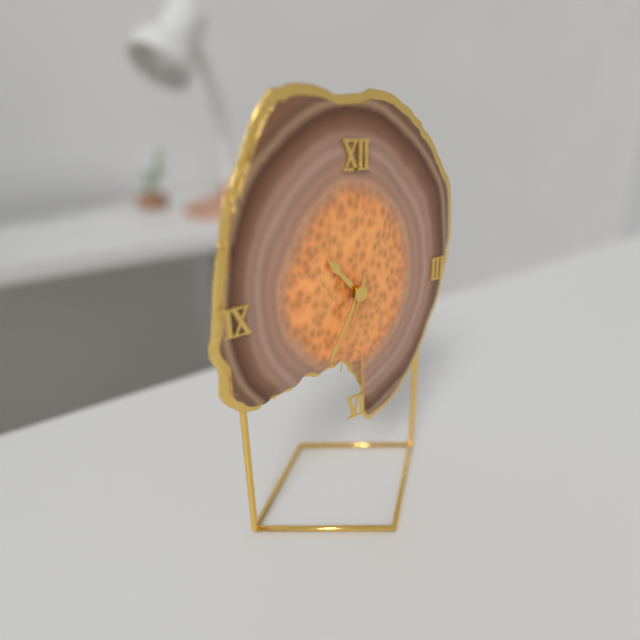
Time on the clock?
10:35:33
